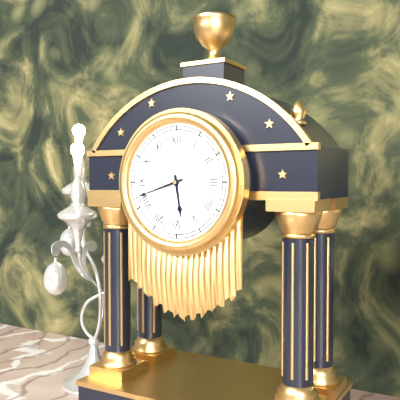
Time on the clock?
5:42
